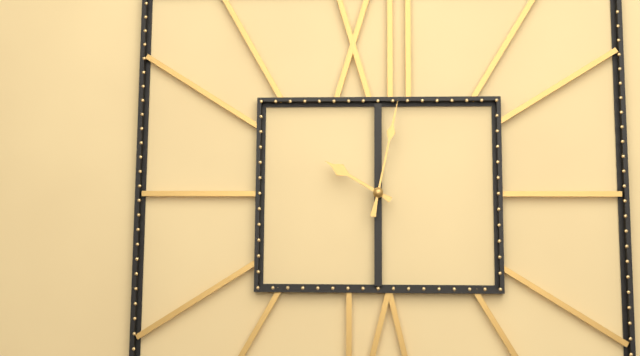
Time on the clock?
10:02
